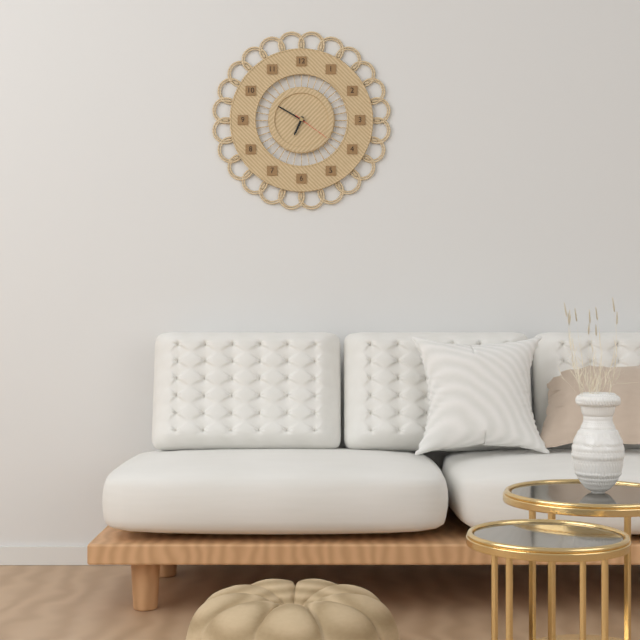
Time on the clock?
6:50
